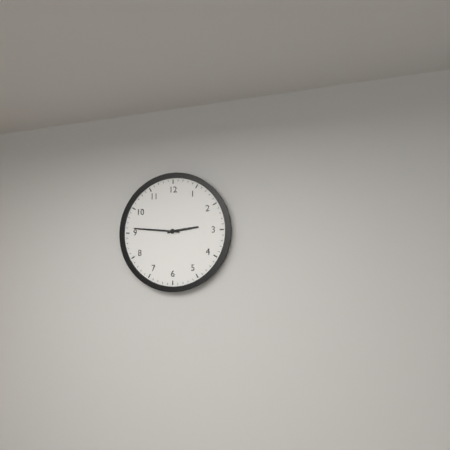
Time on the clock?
2:46
